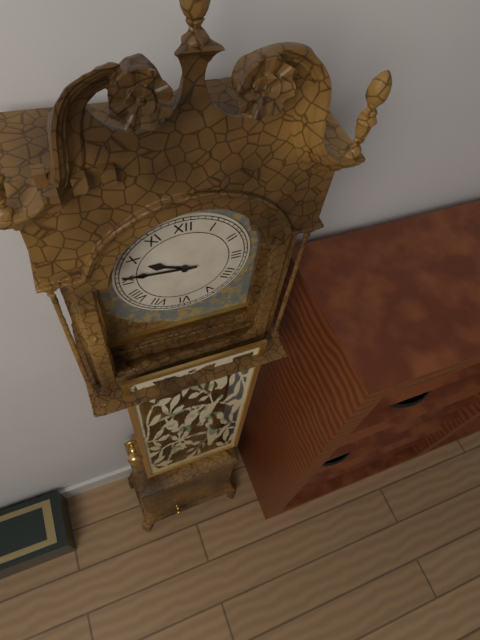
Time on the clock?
9:46
